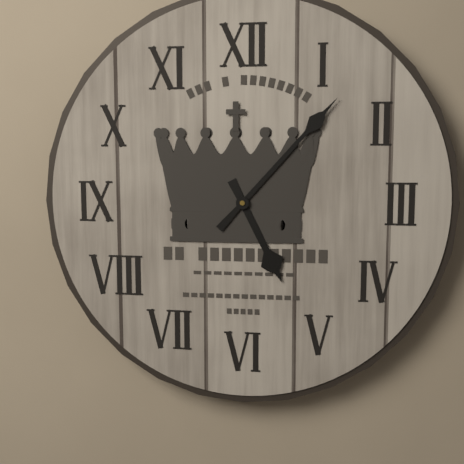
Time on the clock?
5:07
